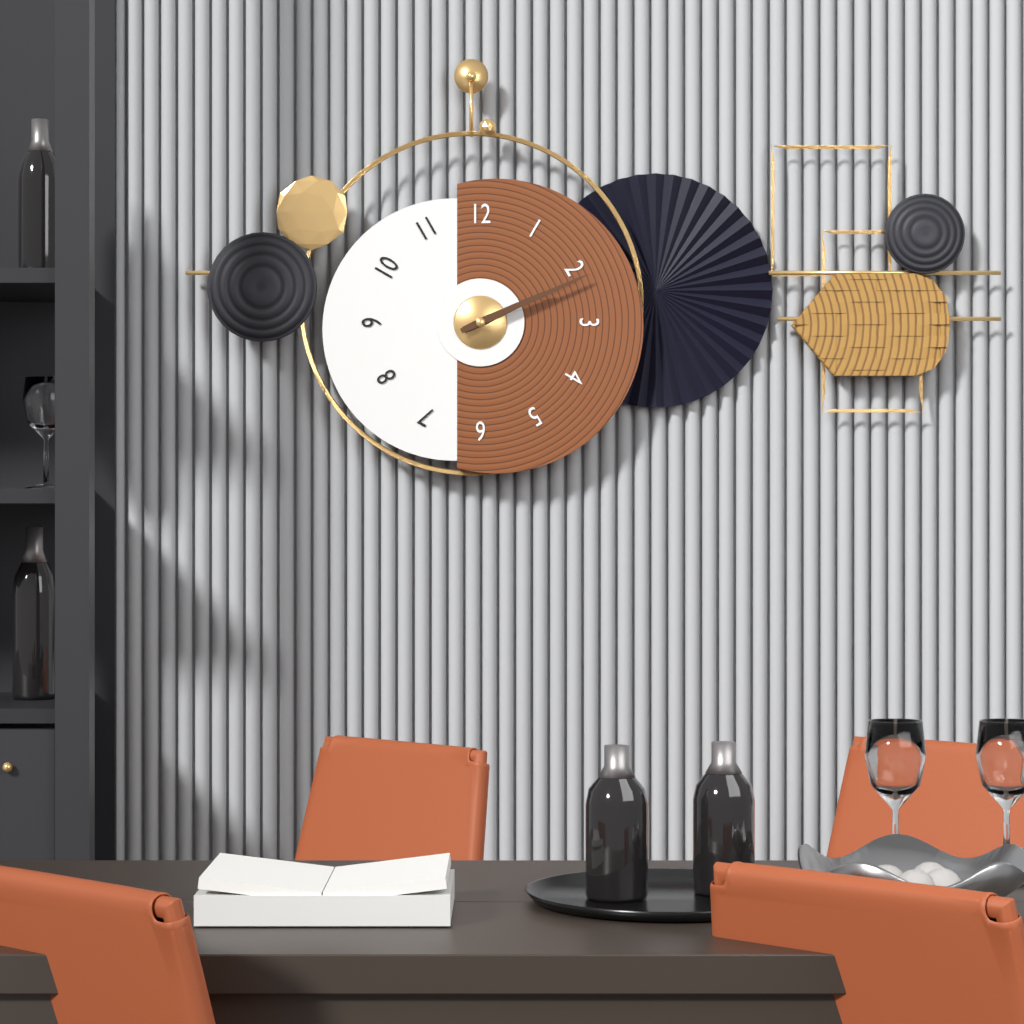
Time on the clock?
2:11
